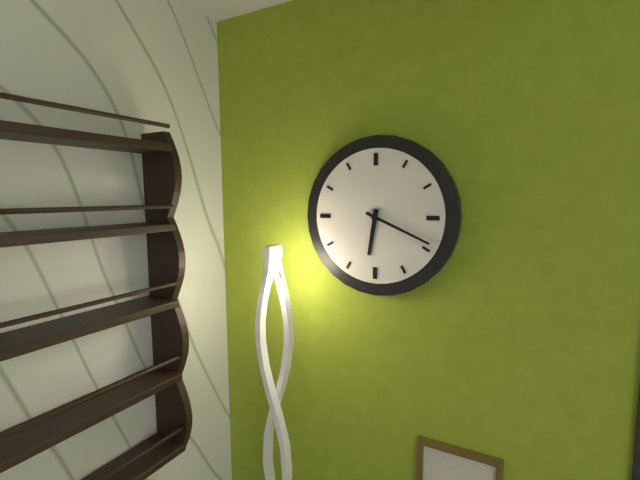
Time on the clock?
6:19
